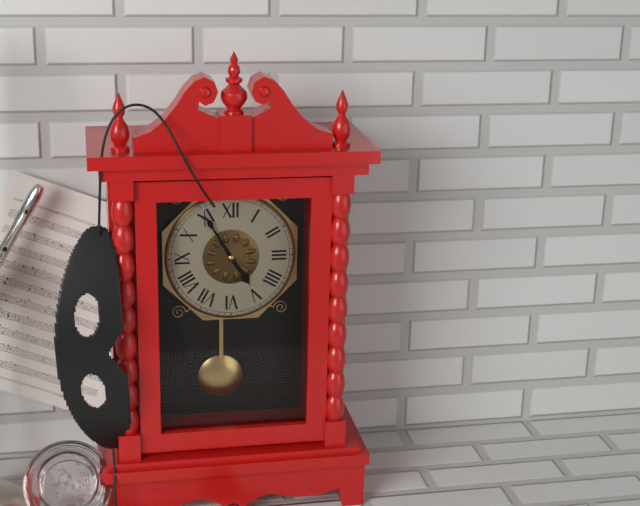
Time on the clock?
4:55
